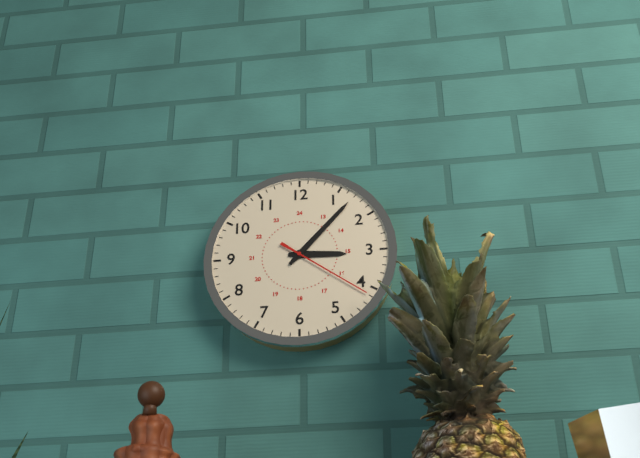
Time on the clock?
3:07:21
